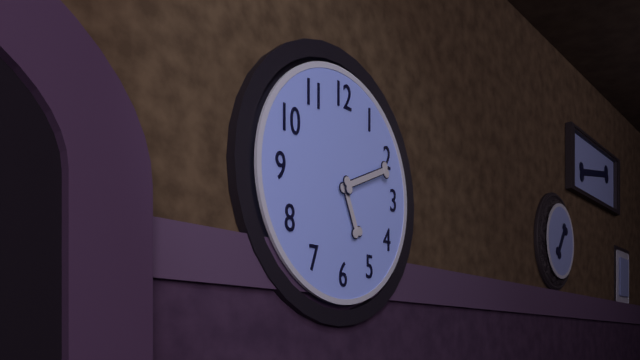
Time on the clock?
5:11
